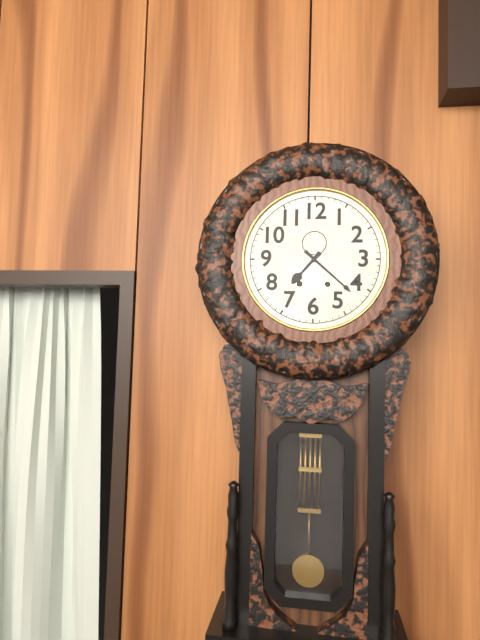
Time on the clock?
7:22
